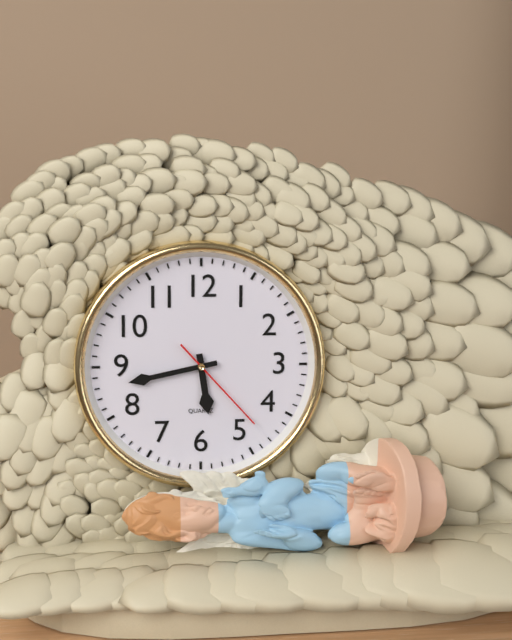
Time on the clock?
5:43:23
